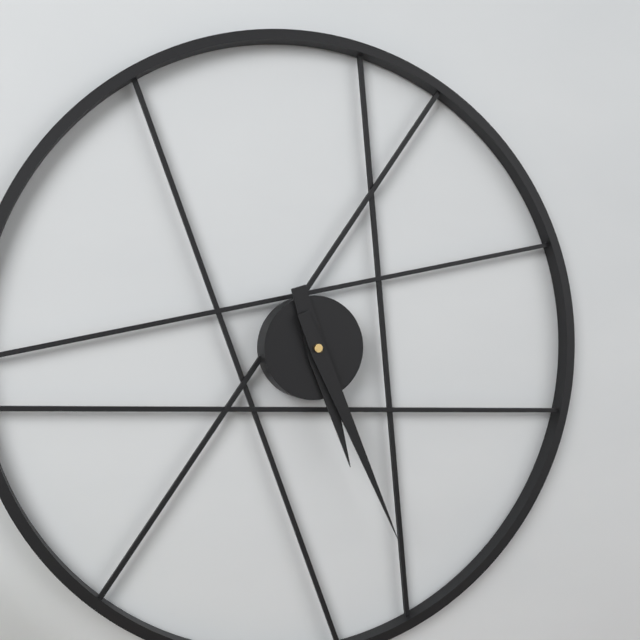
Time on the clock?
5:26
